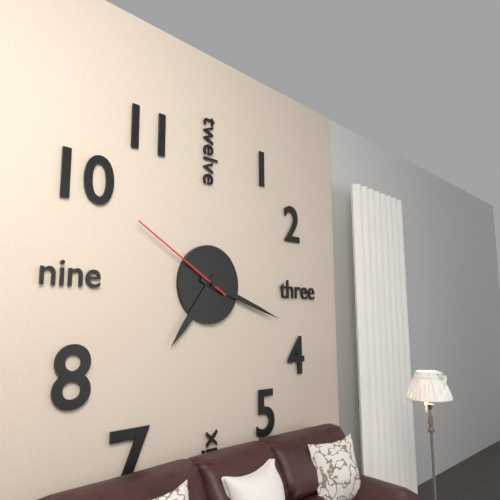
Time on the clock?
7:18:50
